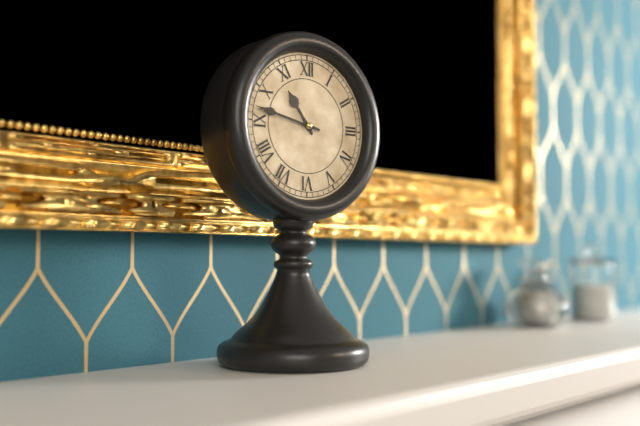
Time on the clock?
10:47
